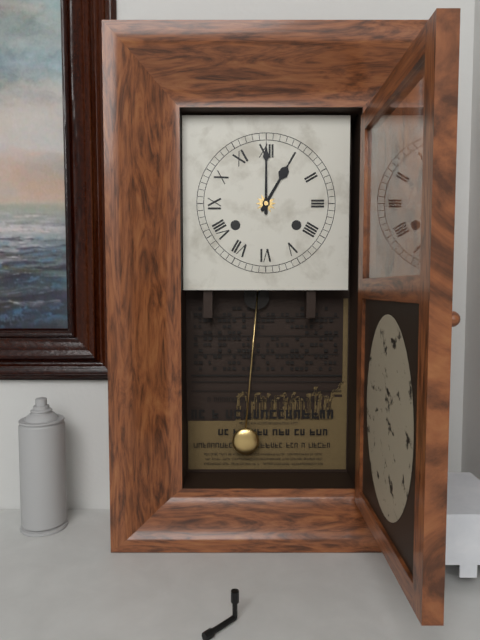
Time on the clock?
1:00
